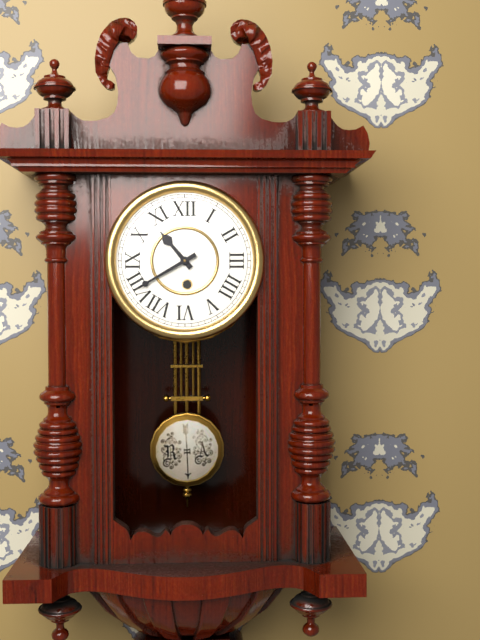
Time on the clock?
10:40
